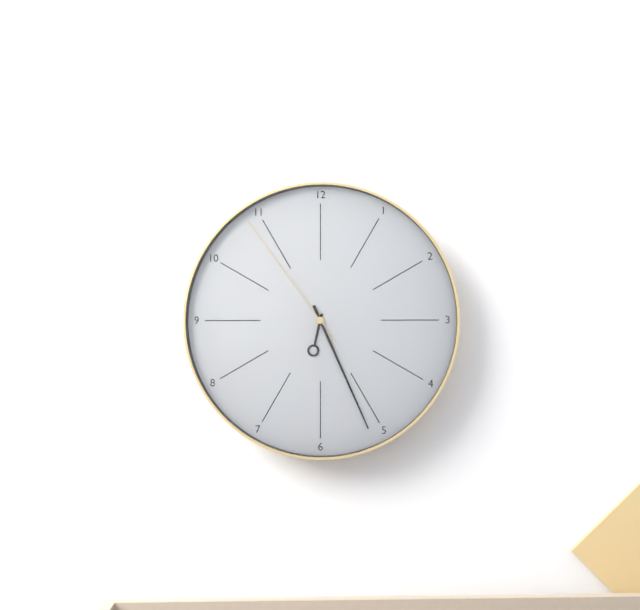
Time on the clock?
6:26:54
